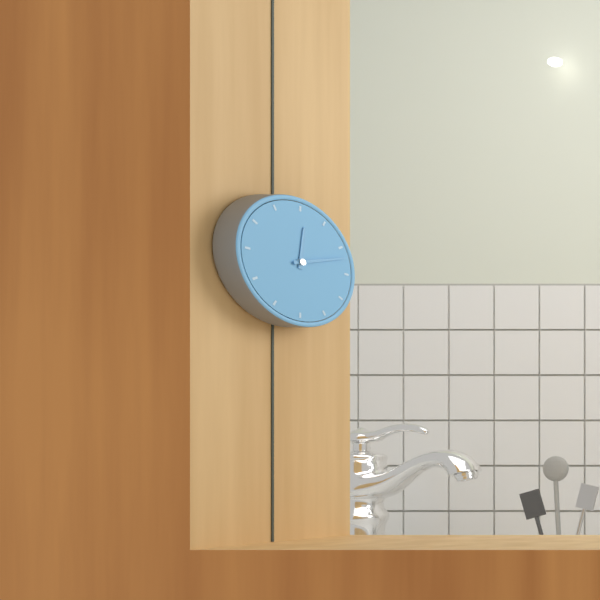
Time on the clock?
12:12
